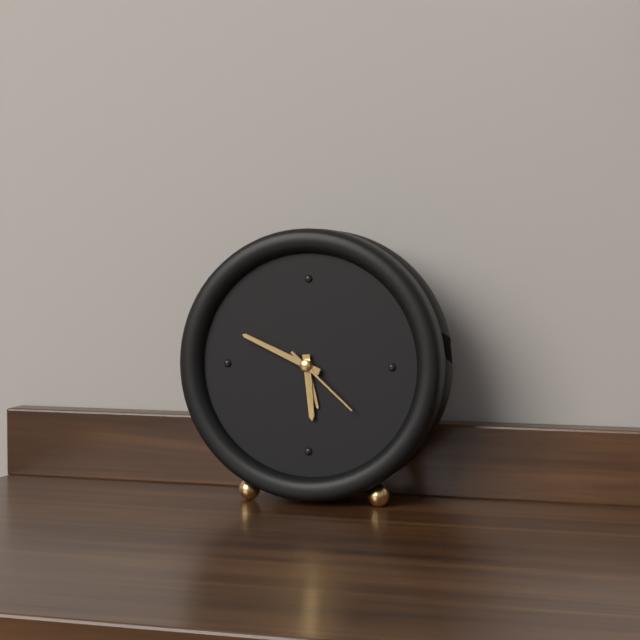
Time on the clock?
5:49:22
